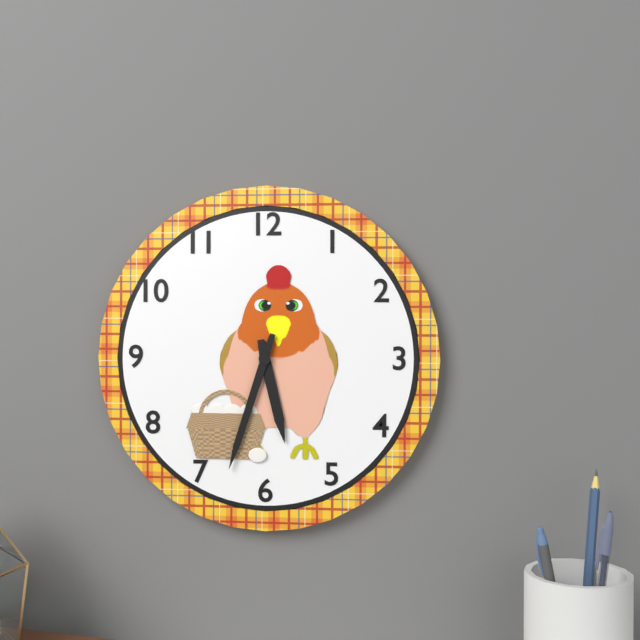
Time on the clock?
5:33
